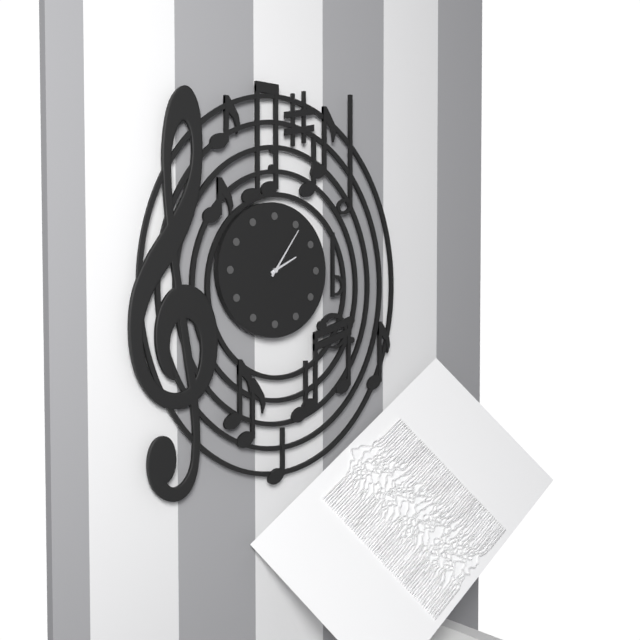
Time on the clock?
2:06
